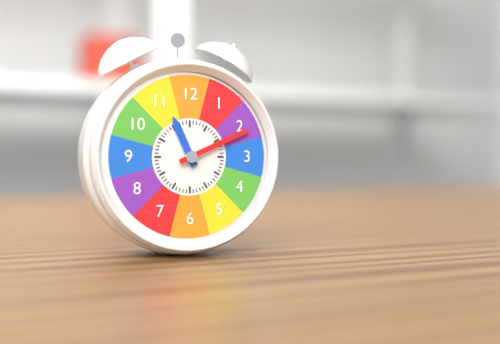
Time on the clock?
11:11
